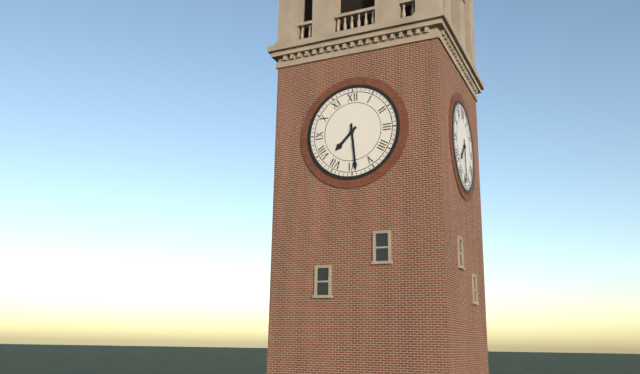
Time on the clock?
7:29
